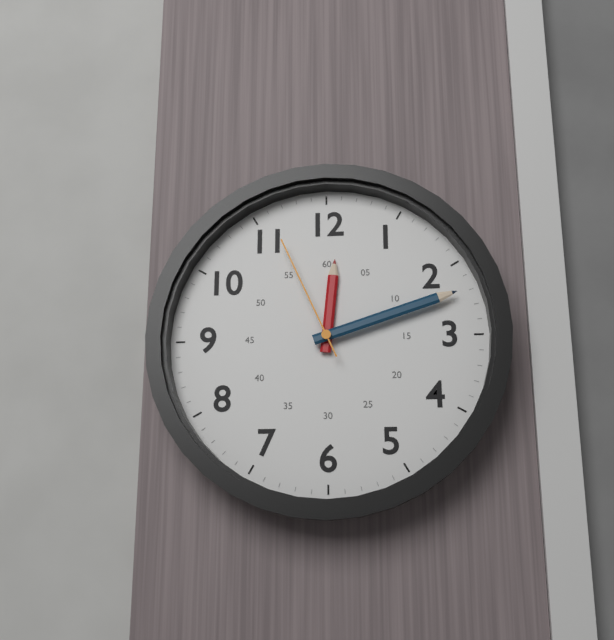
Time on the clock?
12:12:56
